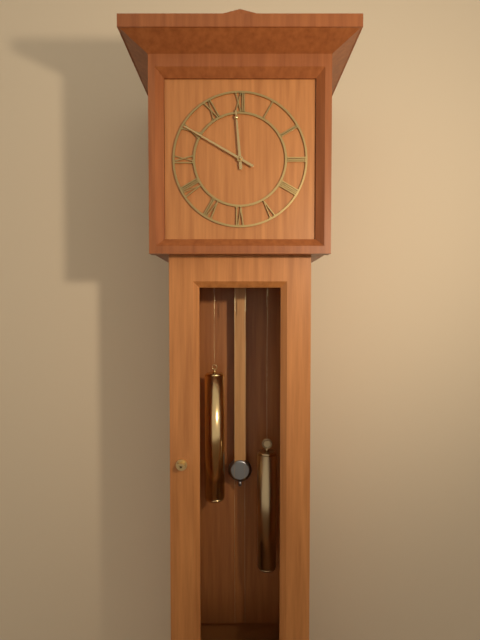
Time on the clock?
11:50
